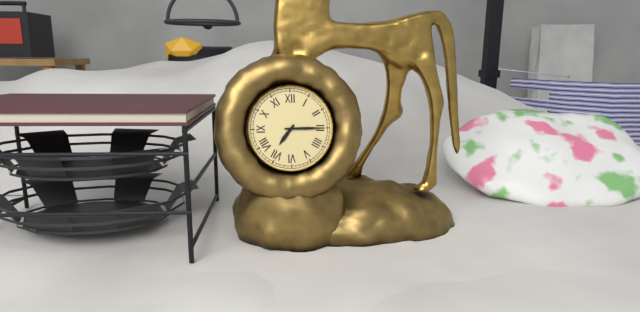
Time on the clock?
7:15
